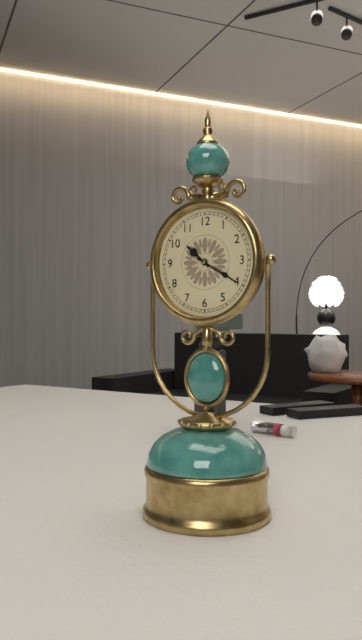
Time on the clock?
10:20
